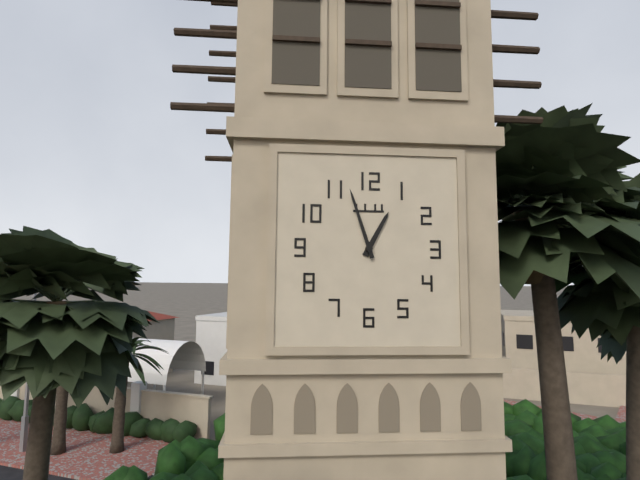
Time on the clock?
12:57
